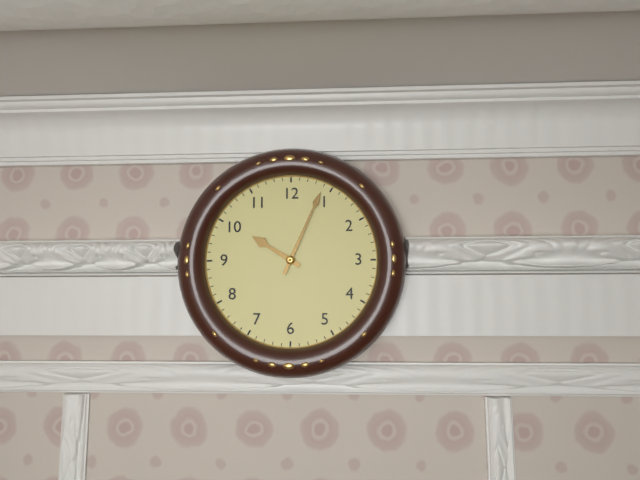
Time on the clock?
10:04
